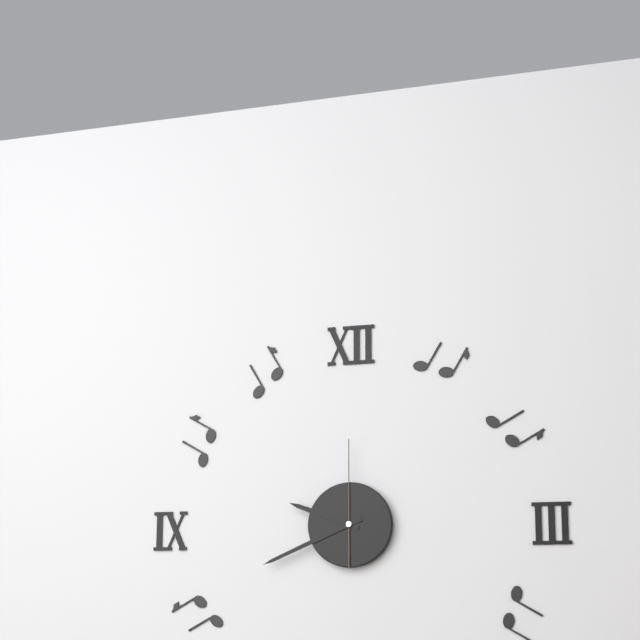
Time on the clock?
9:41:00
